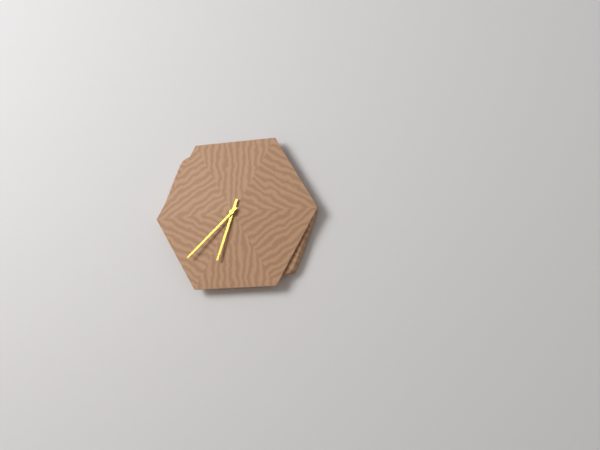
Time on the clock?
6:38
